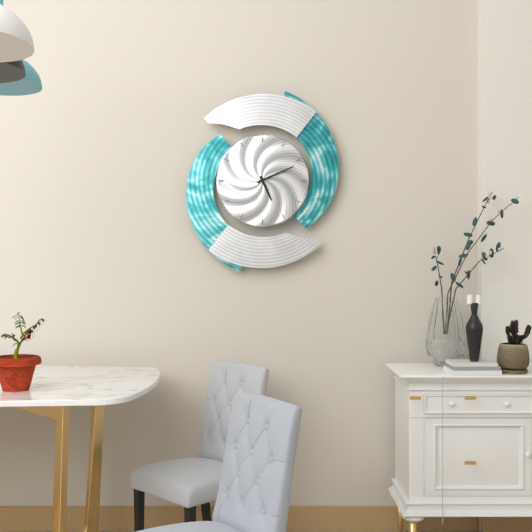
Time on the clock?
5:11
